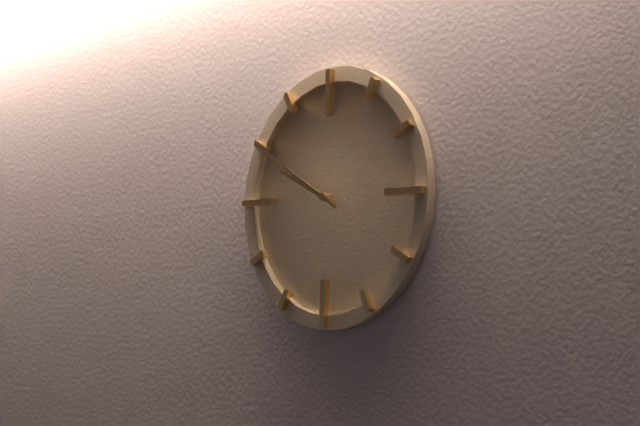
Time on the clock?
9:50
